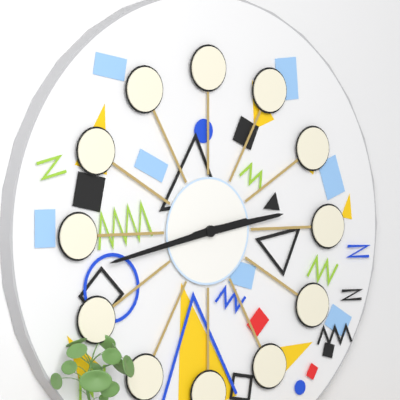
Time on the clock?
2:43
